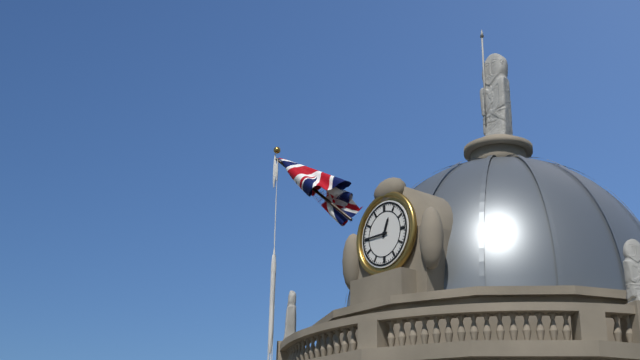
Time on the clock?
12:45
